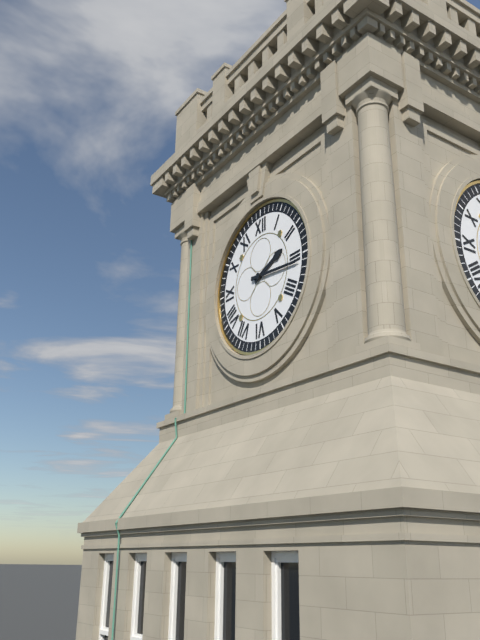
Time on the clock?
2:16
